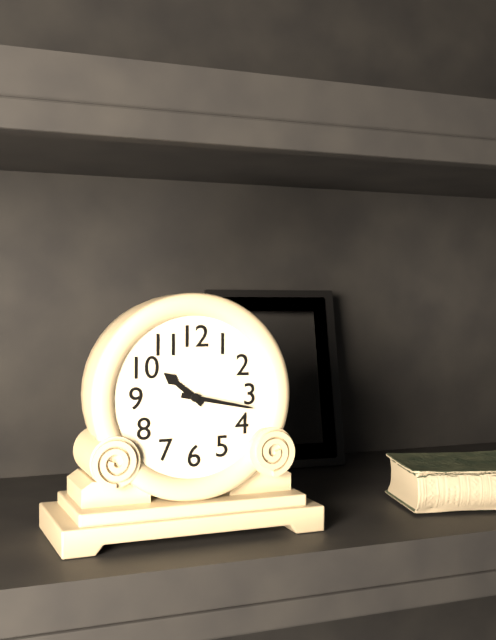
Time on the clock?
10:17
